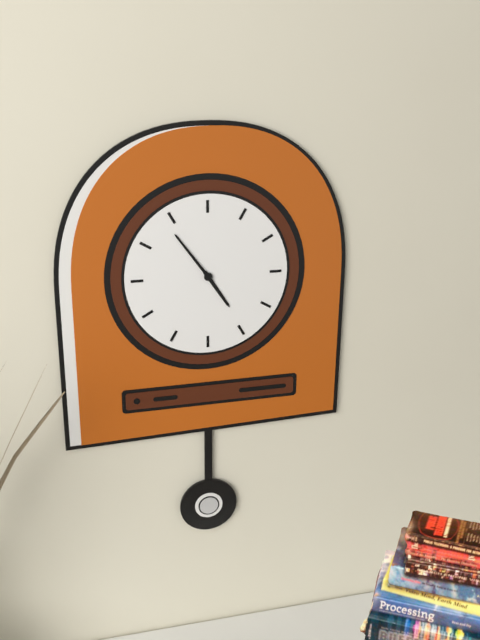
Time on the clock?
4:54
